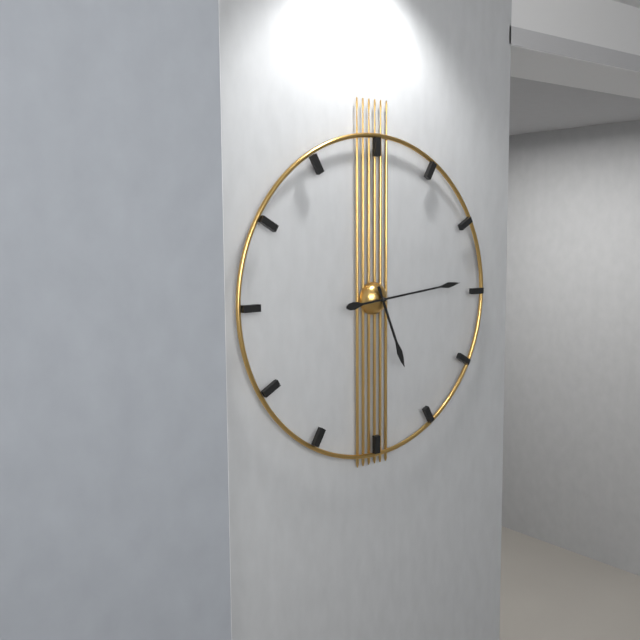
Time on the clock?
5:14
